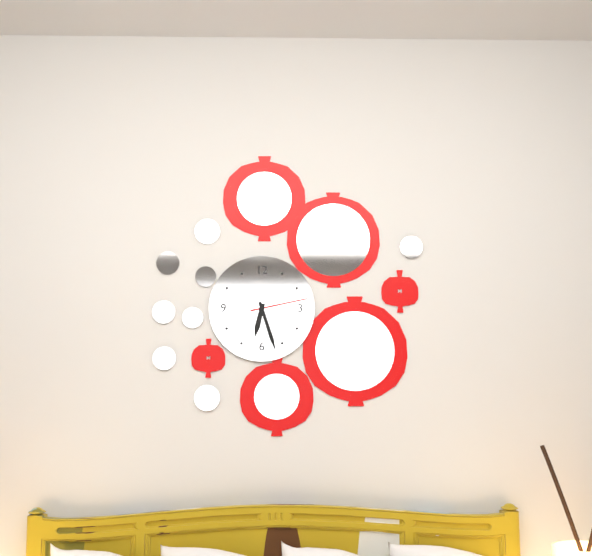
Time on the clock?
6:27:13
